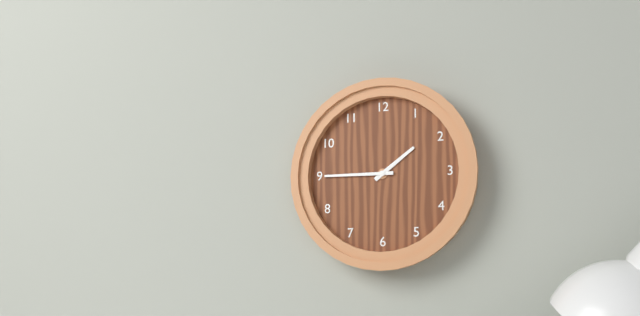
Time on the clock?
1:45
